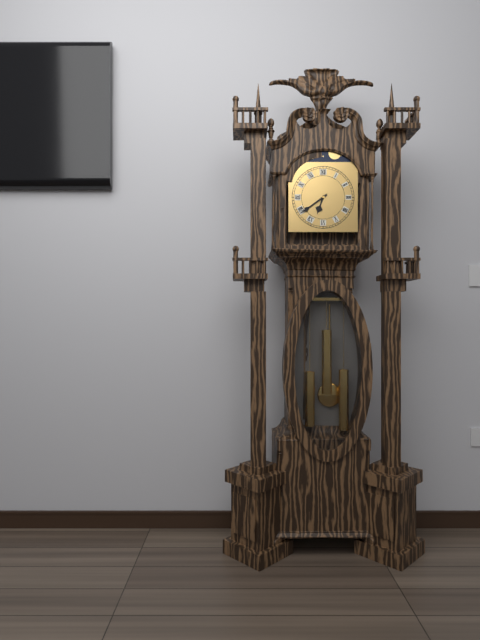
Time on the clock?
6:39
